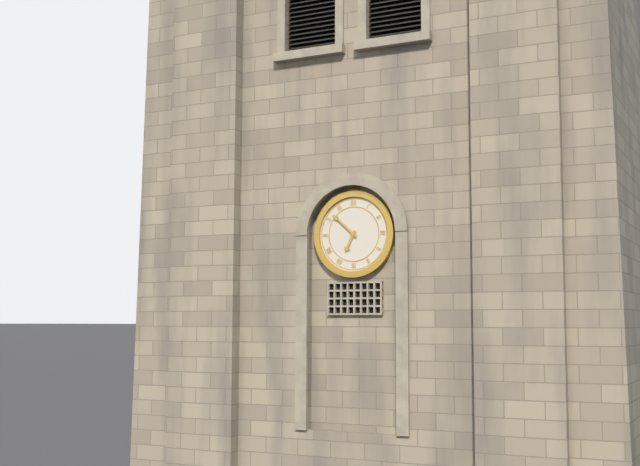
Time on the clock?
6:52
